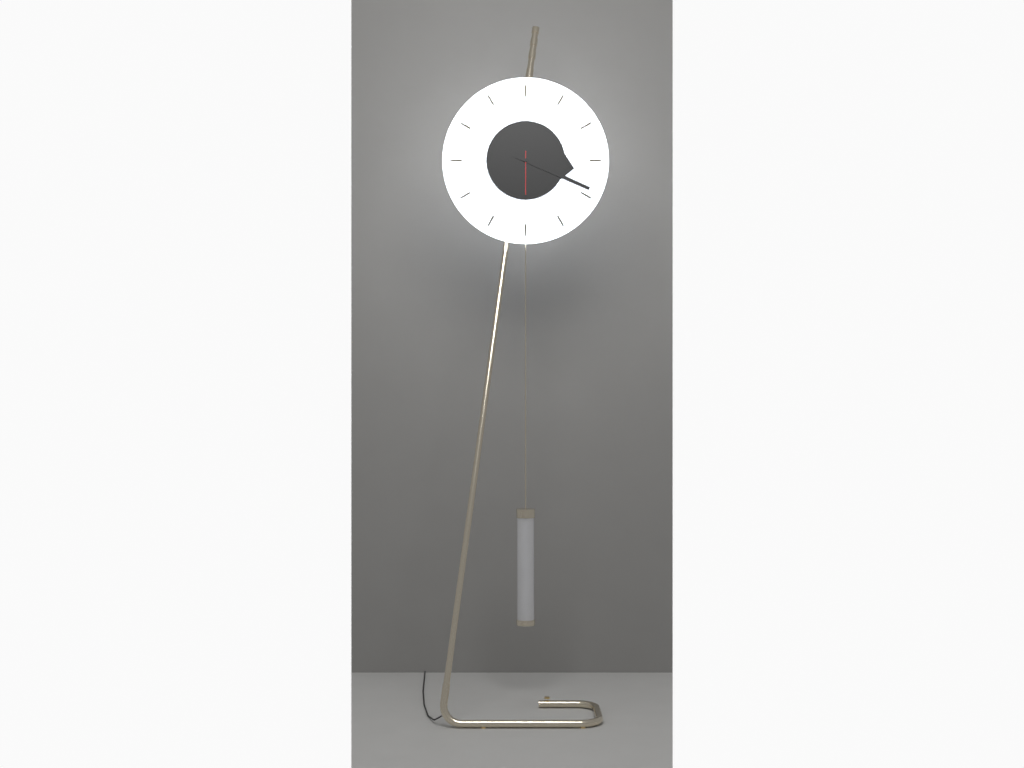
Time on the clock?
3:19:30
